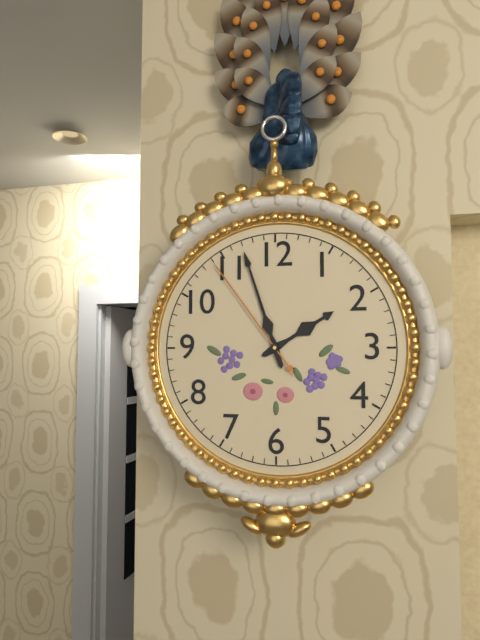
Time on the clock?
1:57:54
